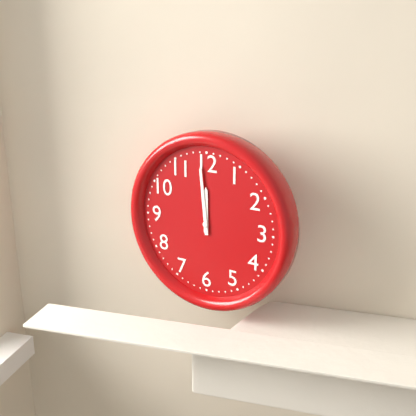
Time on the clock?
11:59
